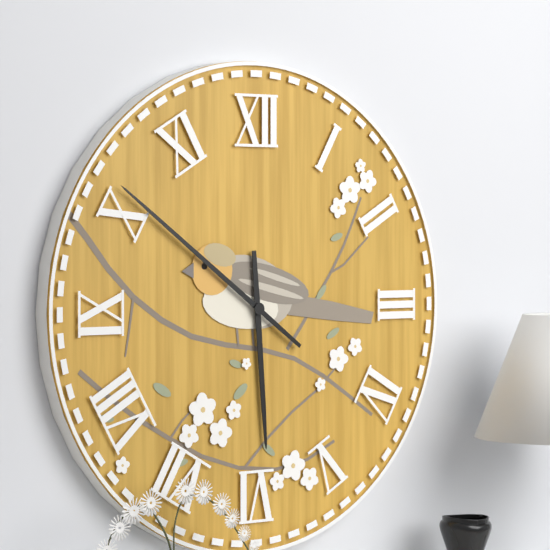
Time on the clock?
5:51
